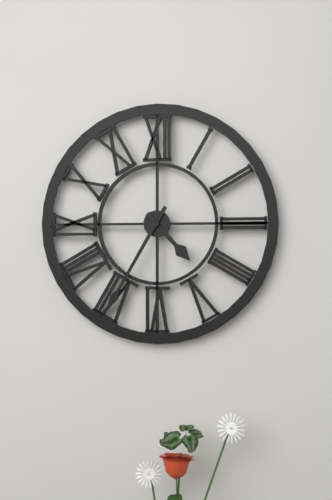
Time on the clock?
4:35
